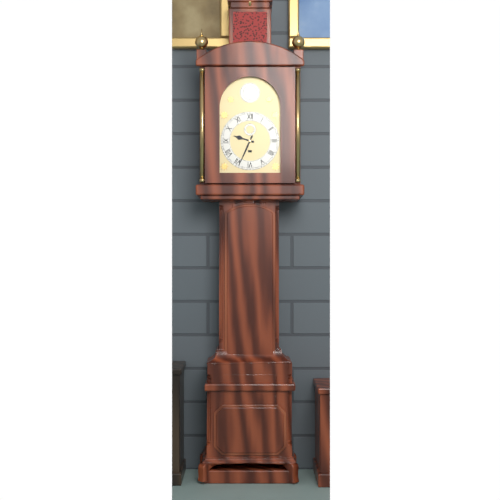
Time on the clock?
9:34
